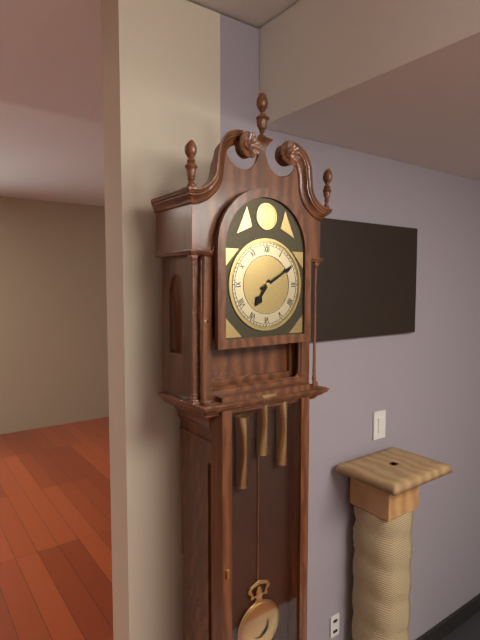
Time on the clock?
7:10
